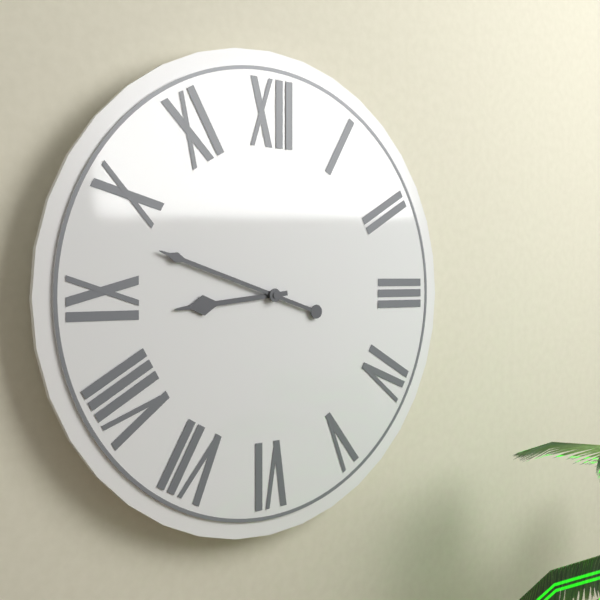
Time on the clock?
8:48
